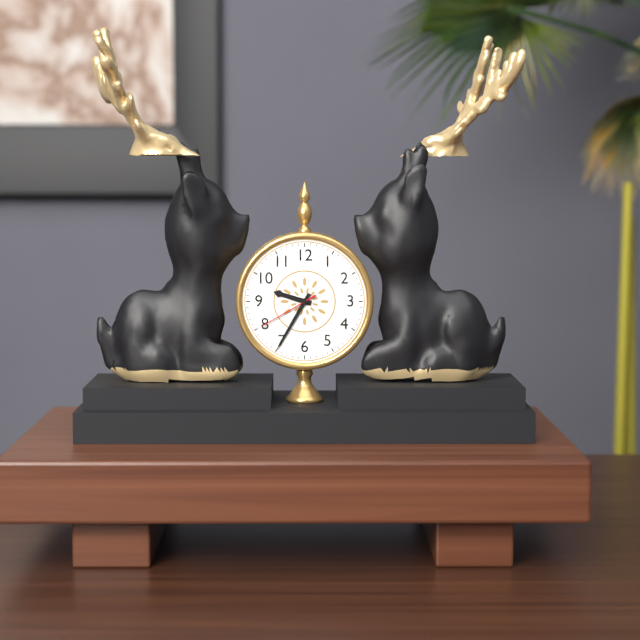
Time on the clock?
9:35:40
